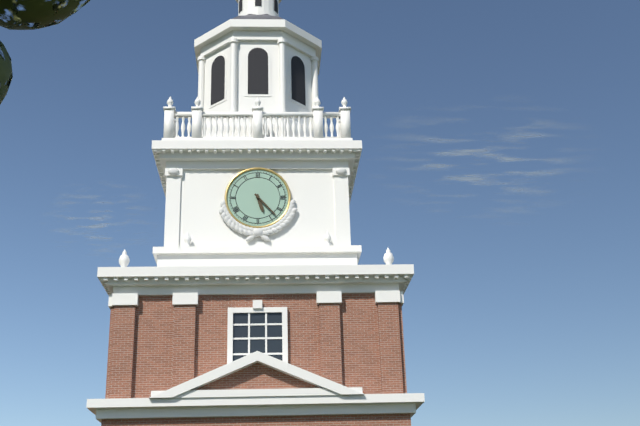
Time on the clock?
5:23
